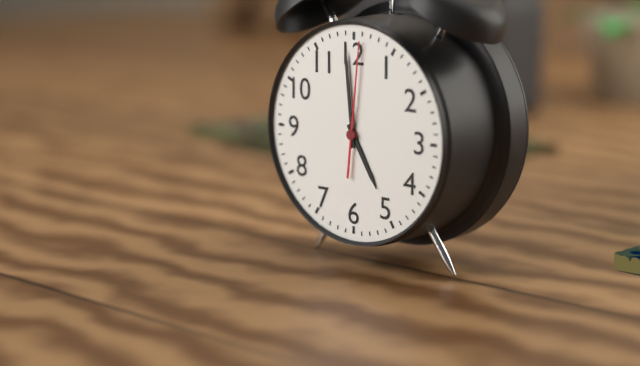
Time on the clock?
4:59:01
